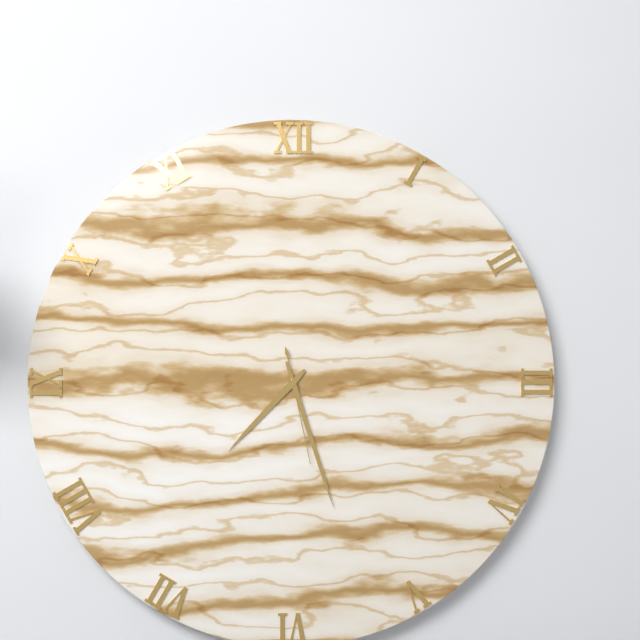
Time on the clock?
7:27:28
